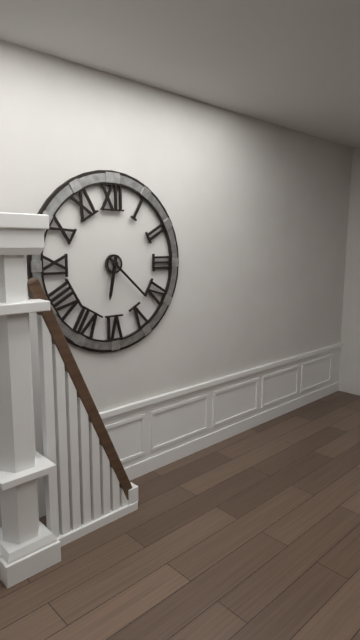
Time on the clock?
6:22
